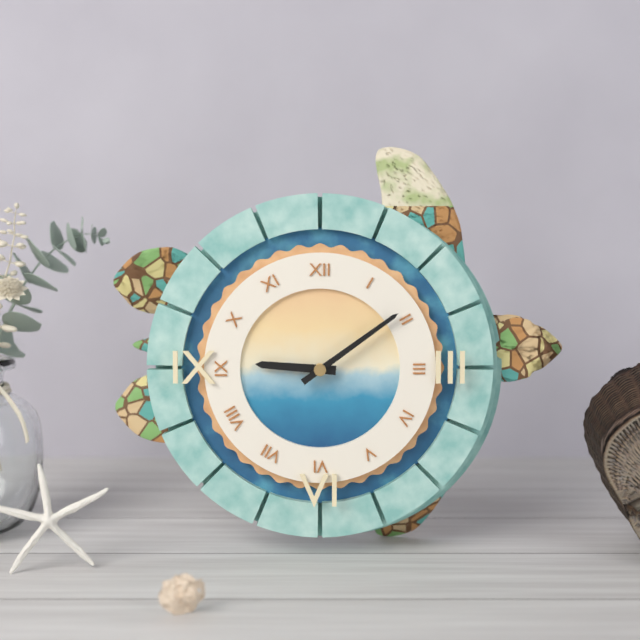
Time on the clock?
9:09
